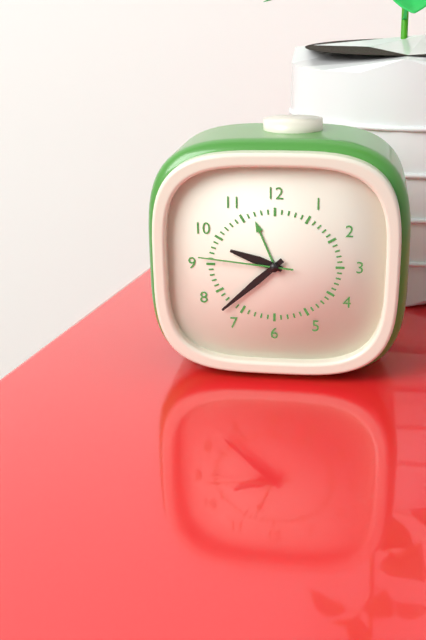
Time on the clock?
9:38:46
